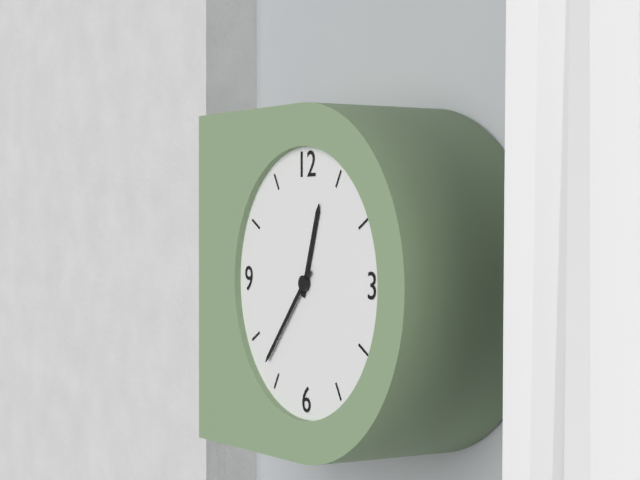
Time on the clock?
12:37
